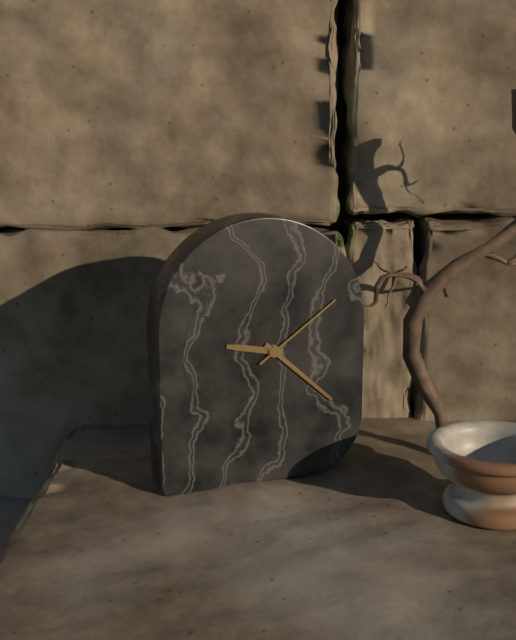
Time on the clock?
9:22:09
